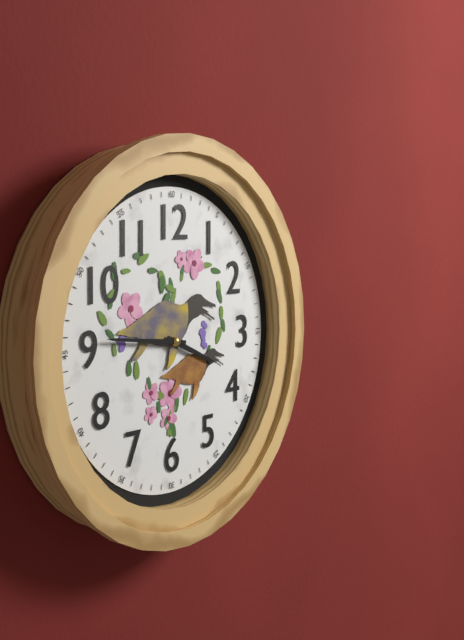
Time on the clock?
3:46
